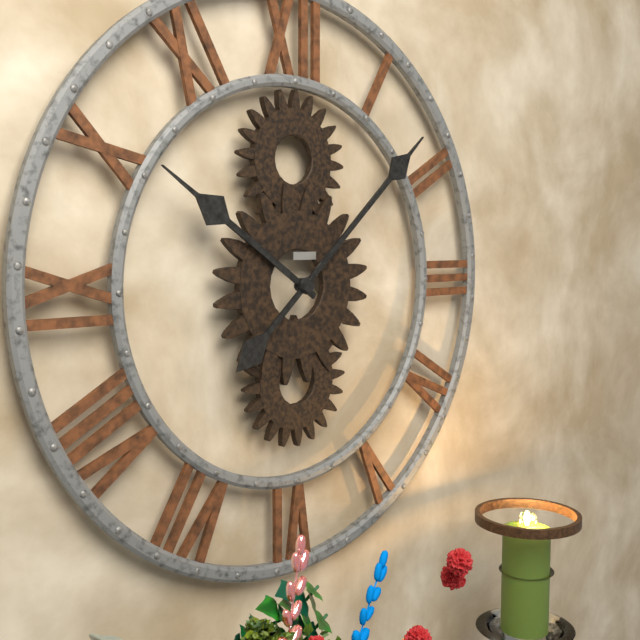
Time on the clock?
10:08
